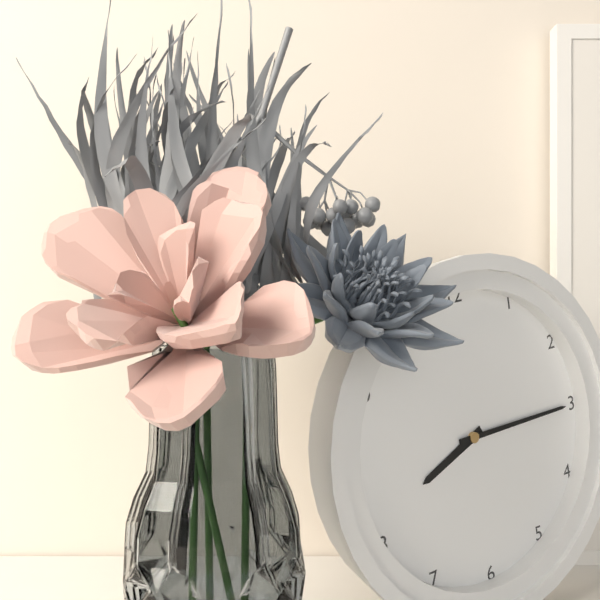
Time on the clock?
8:15
